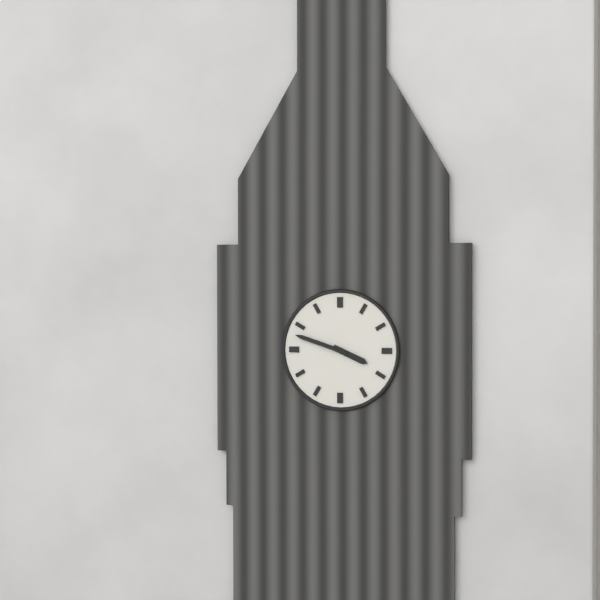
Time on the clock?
3:48
